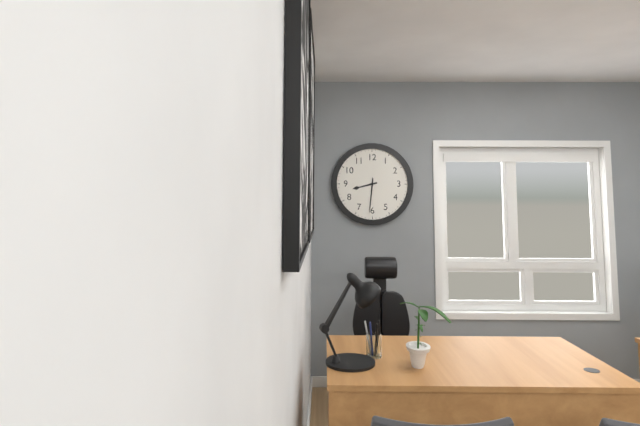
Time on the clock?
8:31
